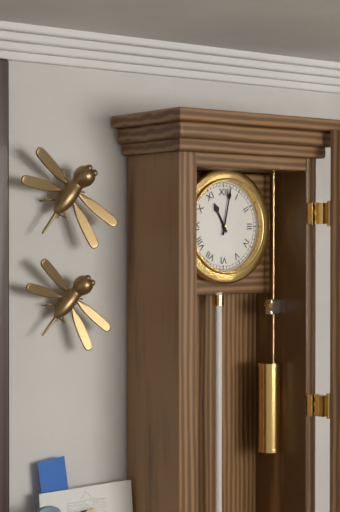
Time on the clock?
11:02
